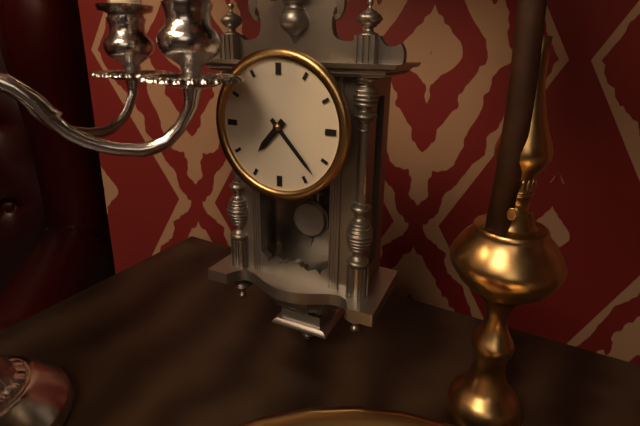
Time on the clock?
7:23
